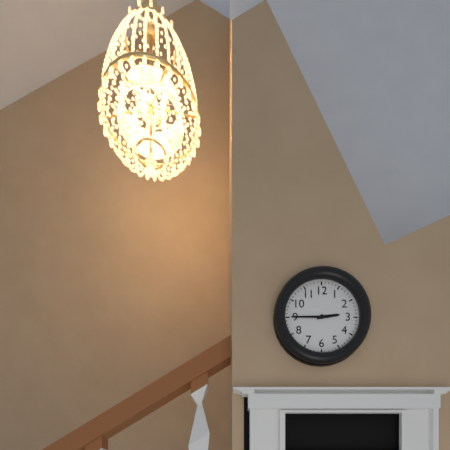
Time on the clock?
2:45
